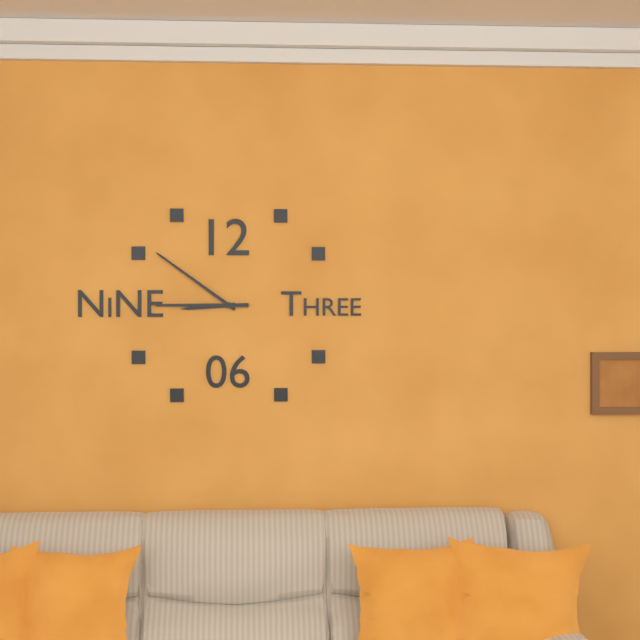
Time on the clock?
8:51:45
